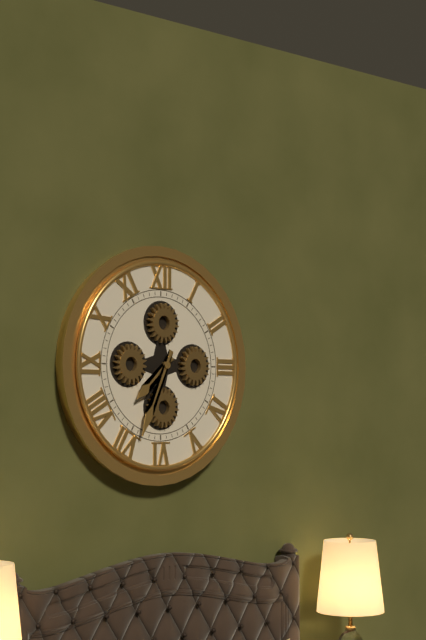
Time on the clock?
7:34
